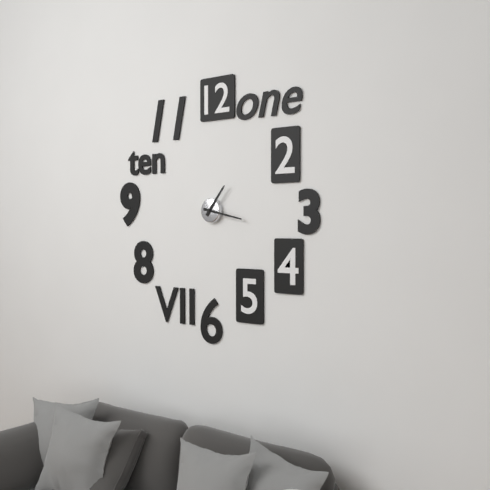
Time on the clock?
1:17
